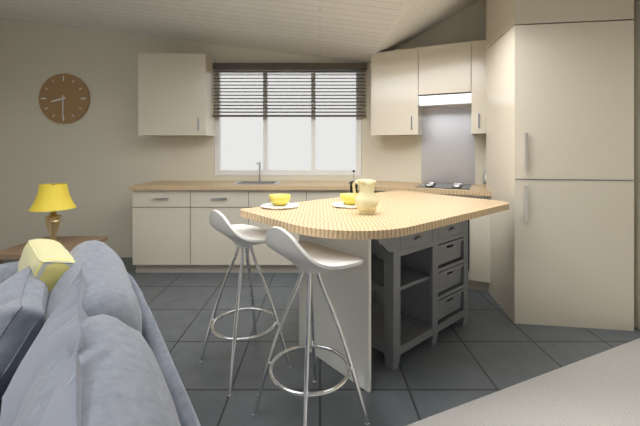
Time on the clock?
8:30
